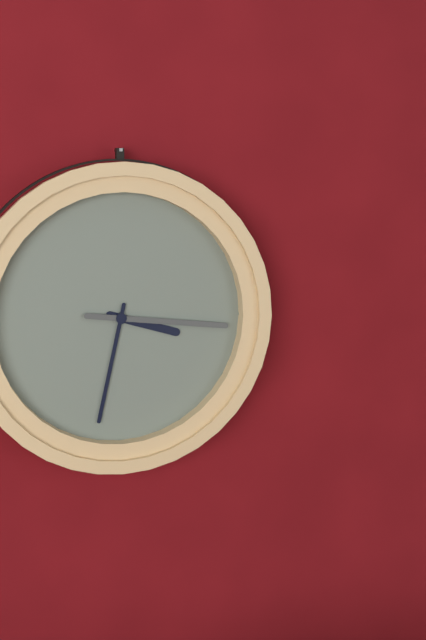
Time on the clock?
3:32:16
